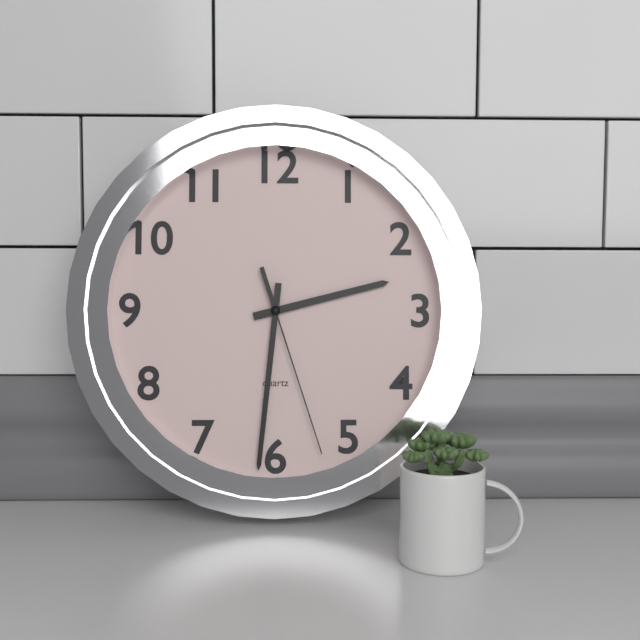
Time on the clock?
2:31:27
